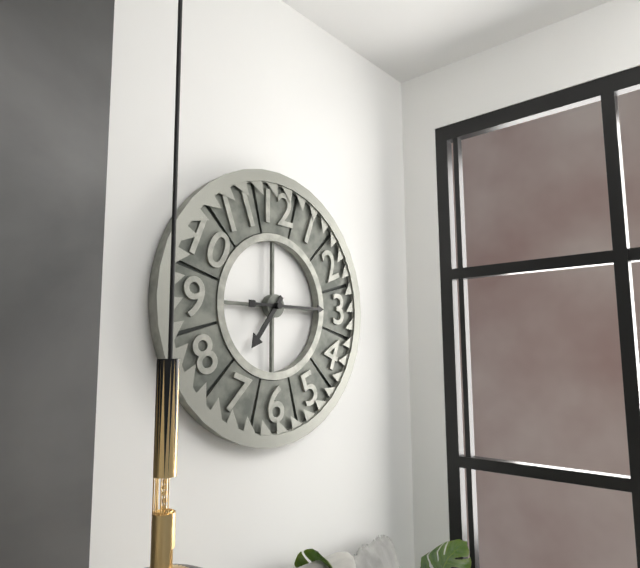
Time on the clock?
7:15
